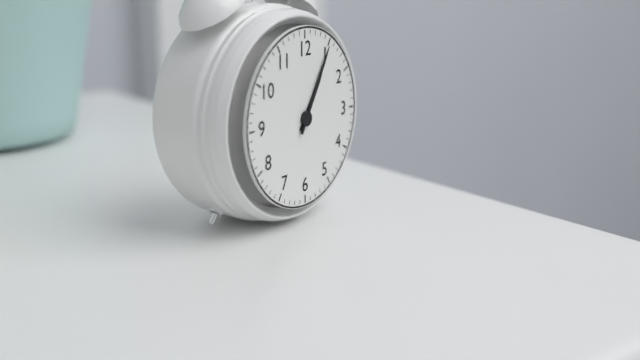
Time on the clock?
1:05
